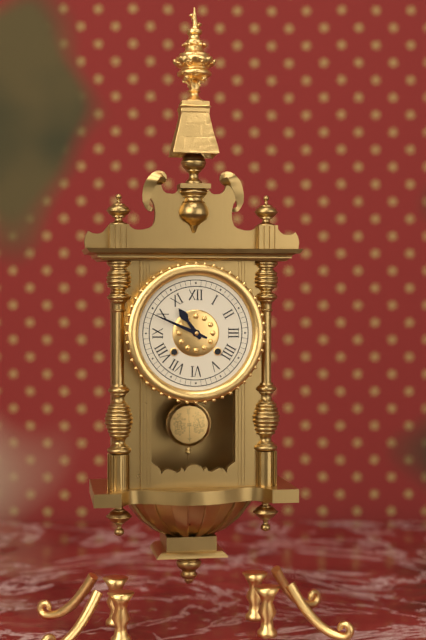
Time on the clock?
10:49
